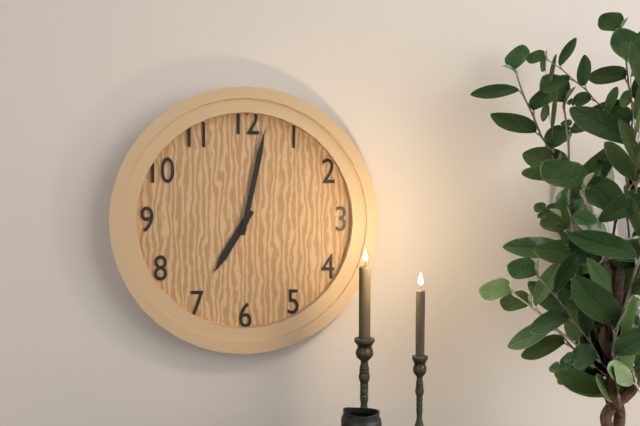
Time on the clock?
7:02
